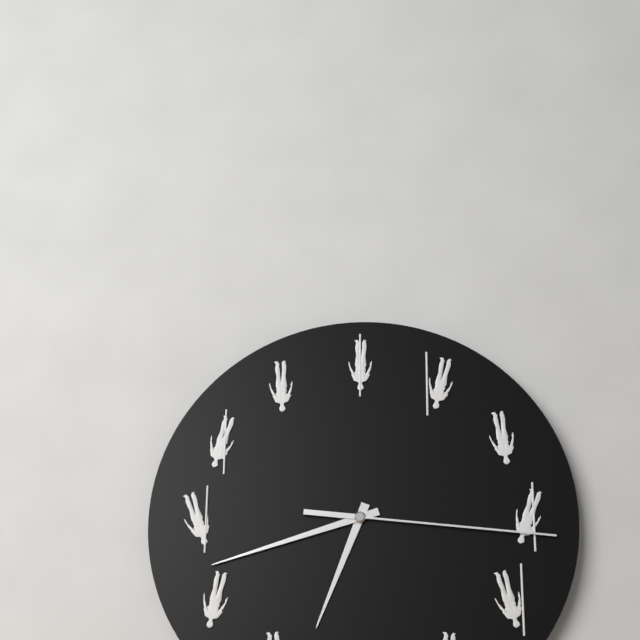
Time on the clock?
6:42:16
